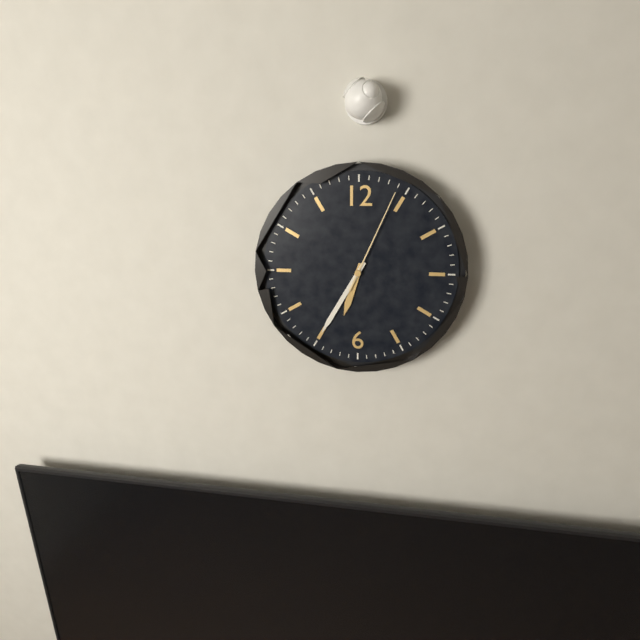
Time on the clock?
6:35:04
